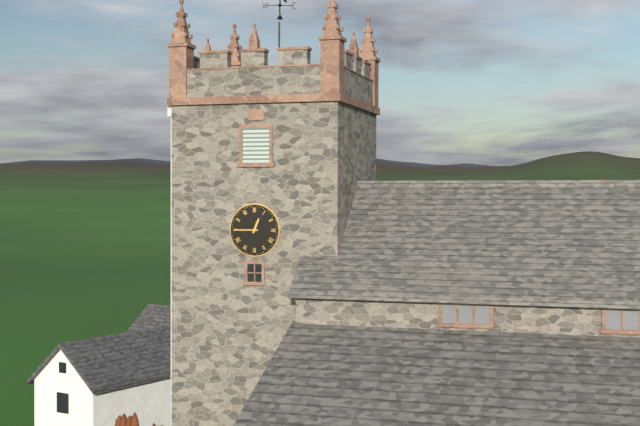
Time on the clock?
12:45
